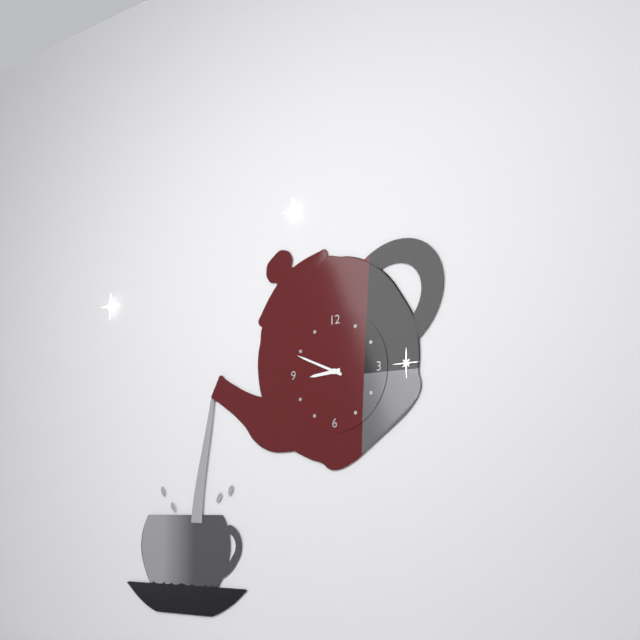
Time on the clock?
8:49
